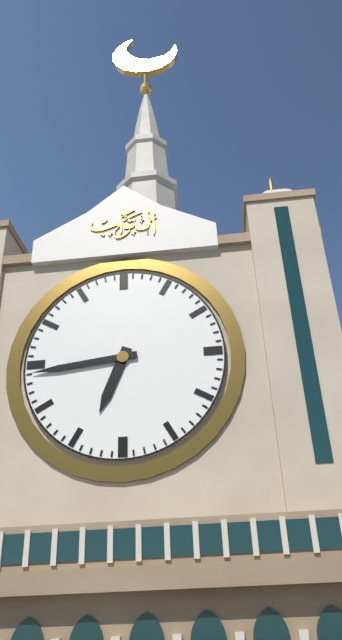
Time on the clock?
6:44
